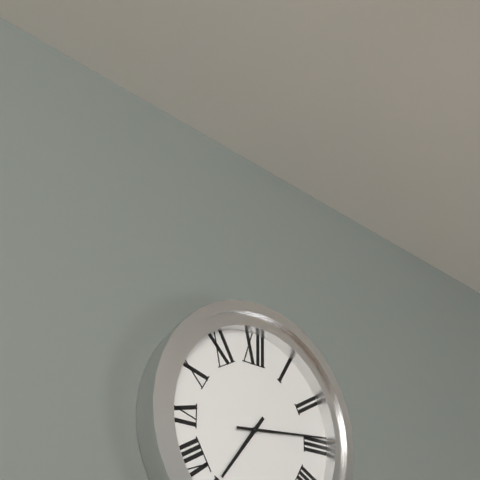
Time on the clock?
7:14
